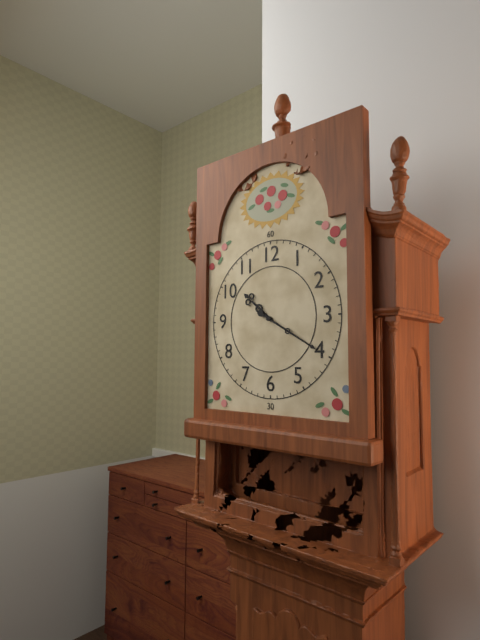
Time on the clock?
10:20
